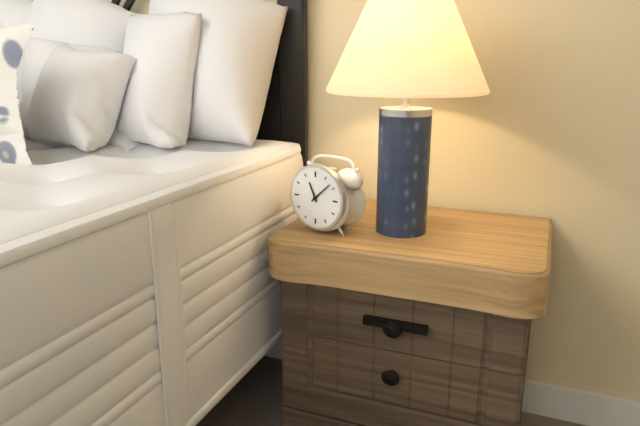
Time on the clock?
11:08
